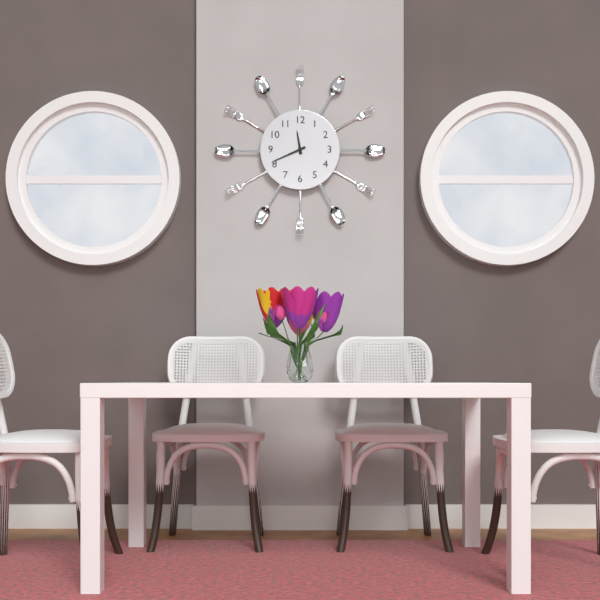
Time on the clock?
11:41
